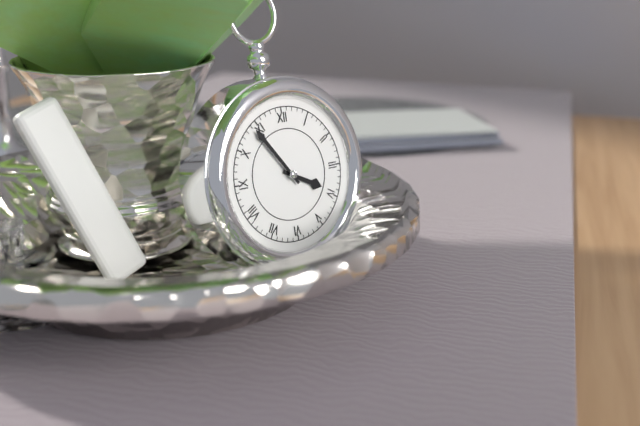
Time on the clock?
3:54
